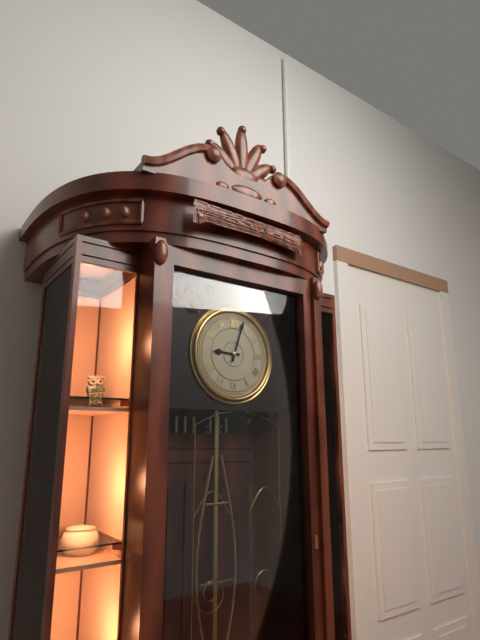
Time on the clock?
9:03
